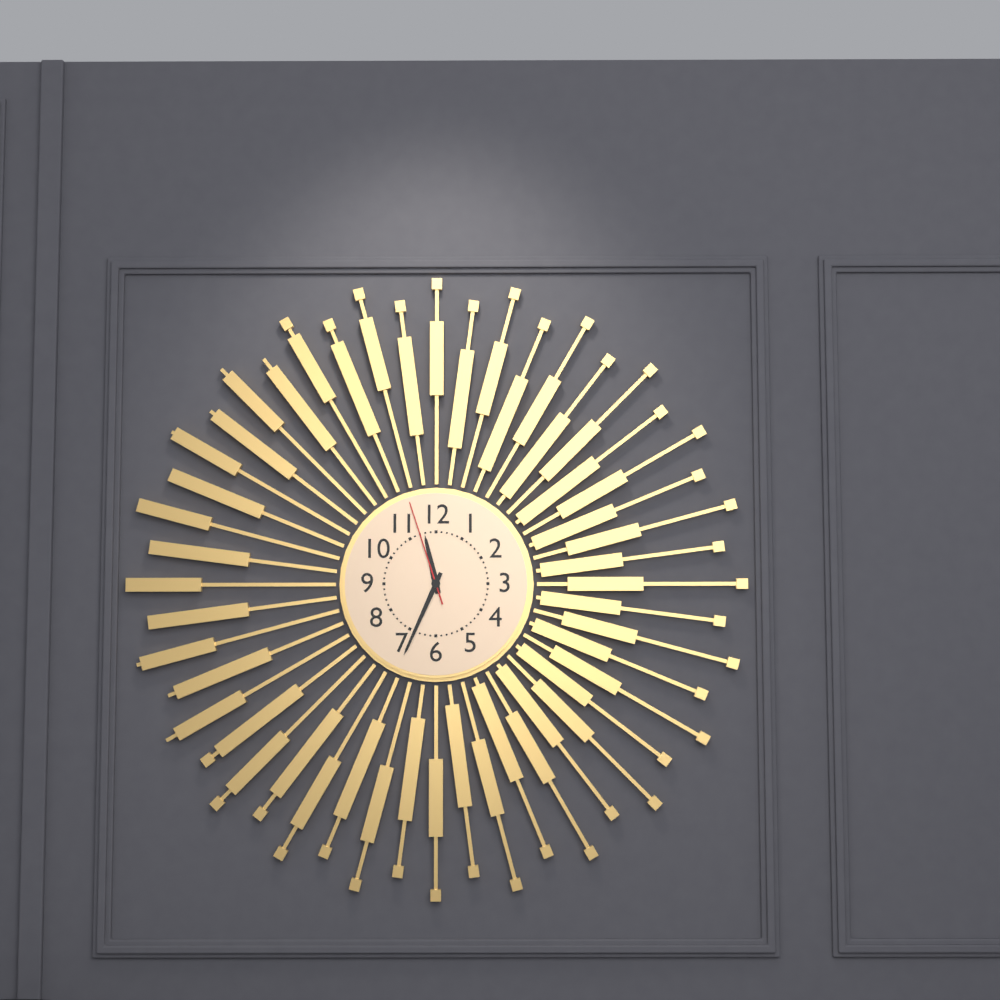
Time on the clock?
11:34:57
